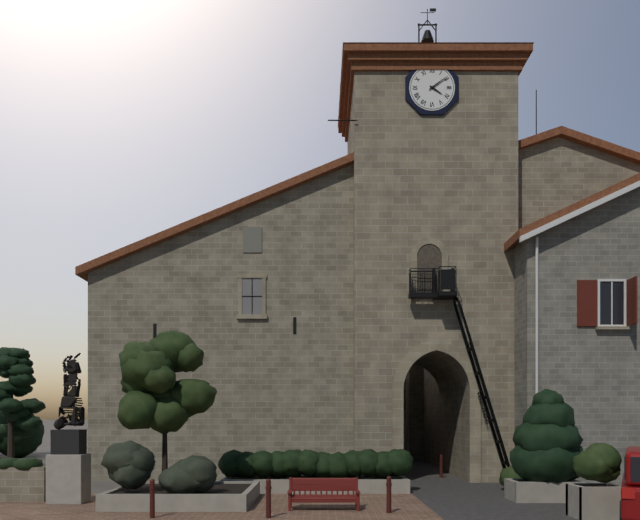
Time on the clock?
4:09
